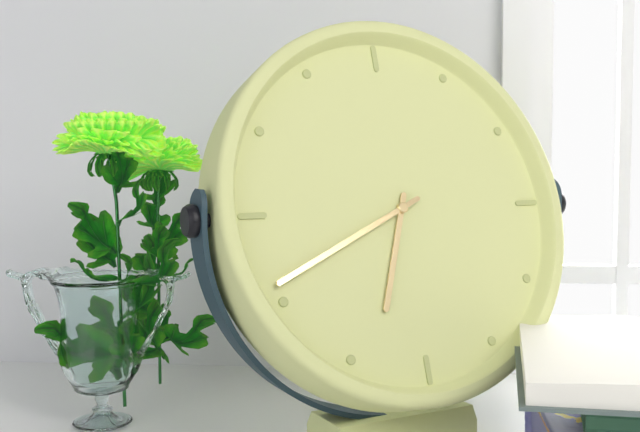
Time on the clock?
6:41
